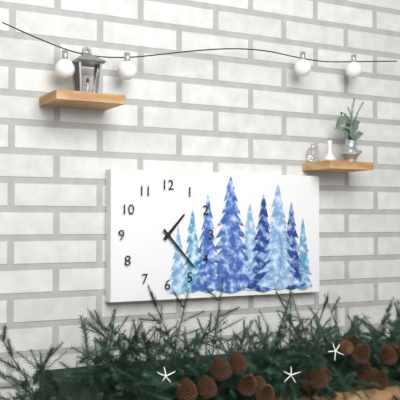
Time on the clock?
1:23
